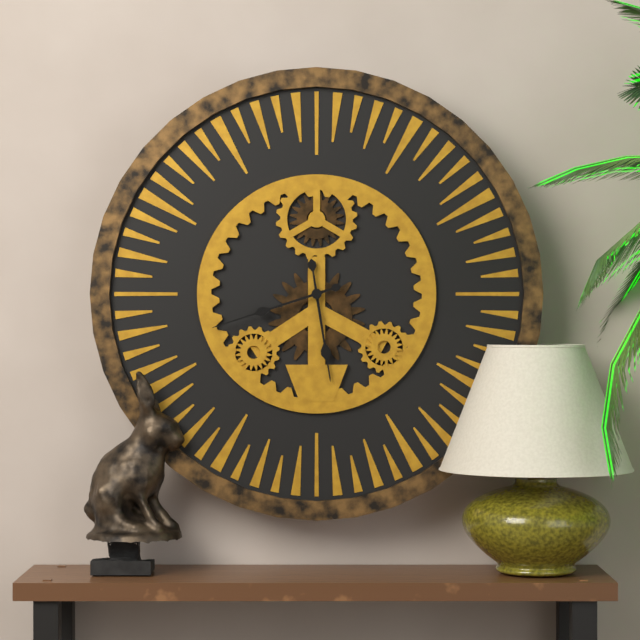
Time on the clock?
5:42
